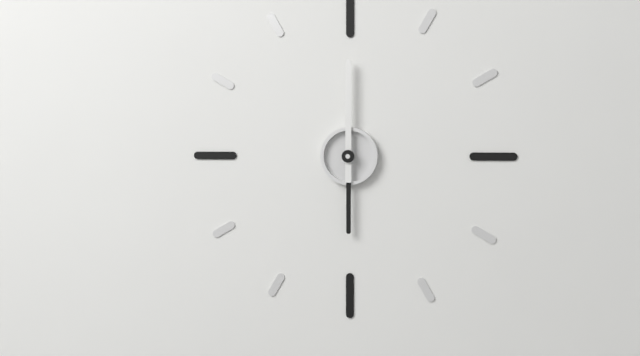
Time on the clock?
6:00
